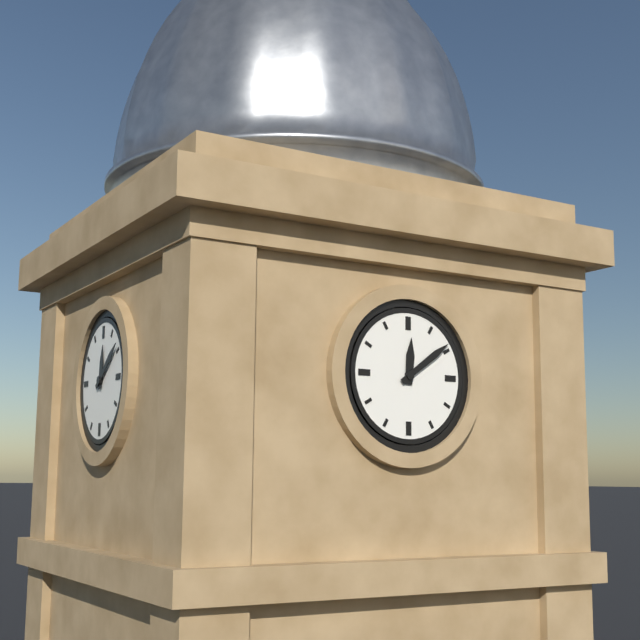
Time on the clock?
12:09
